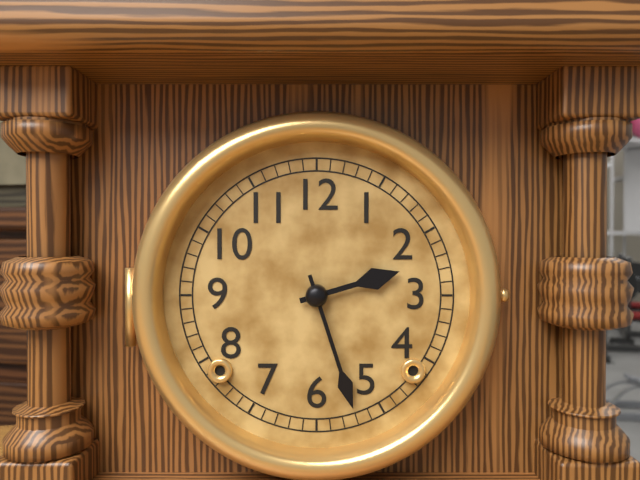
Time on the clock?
2:27
